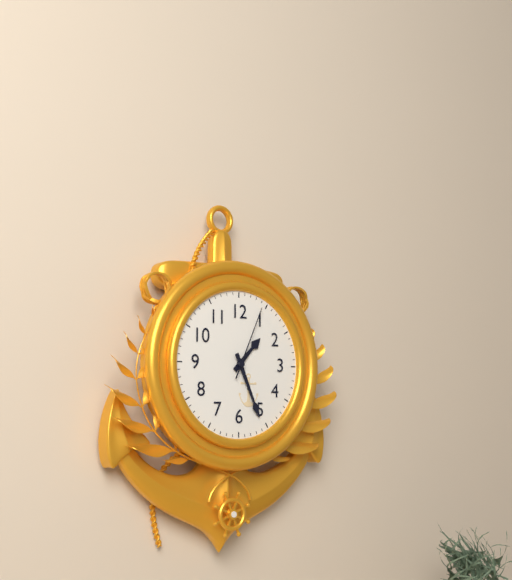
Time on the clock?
1:26:04
